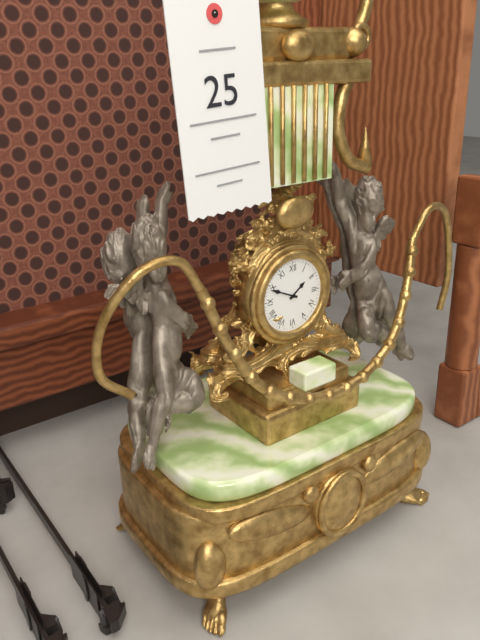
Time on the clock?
1:49
